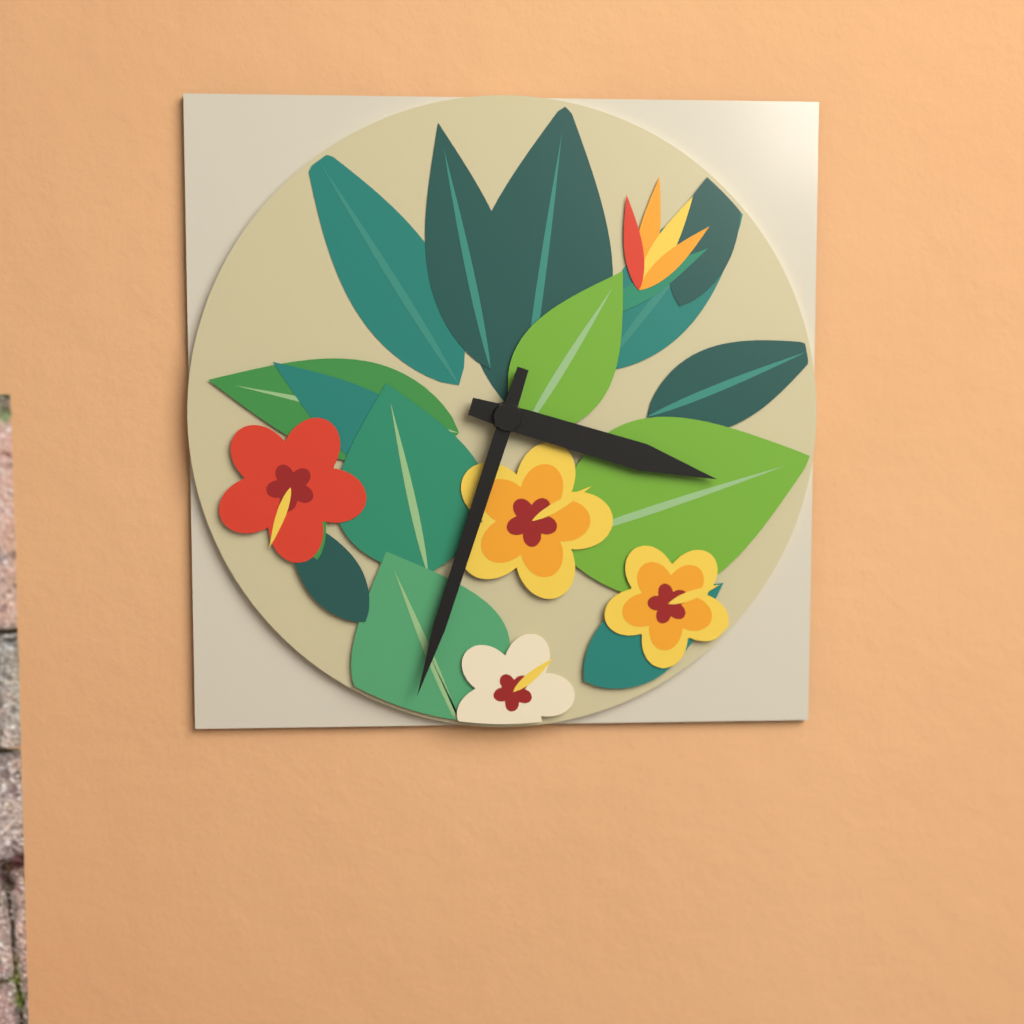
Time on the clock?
3:33
